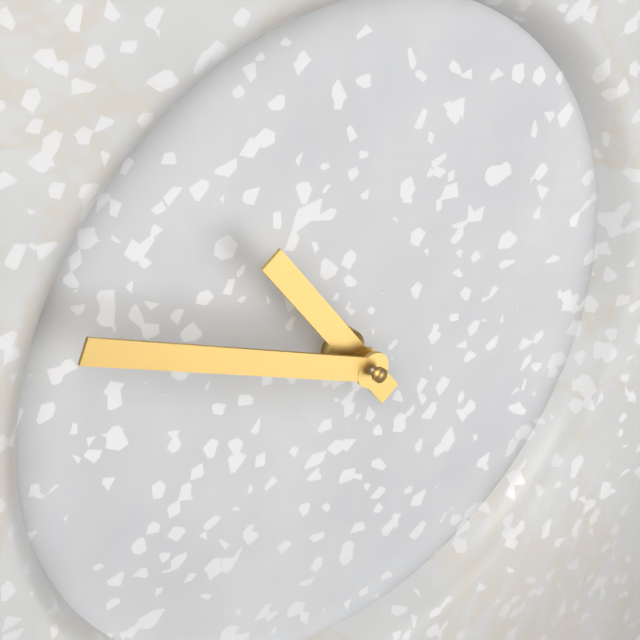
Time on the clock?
10:49
